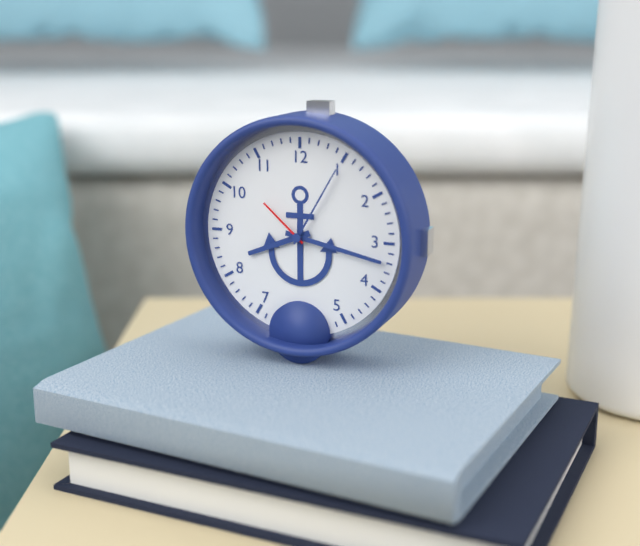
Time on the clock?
8:17:52
